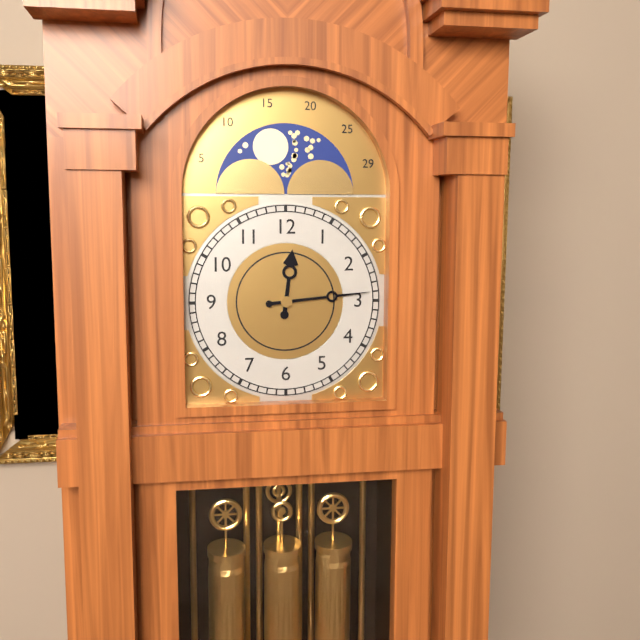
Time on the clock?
12:14
